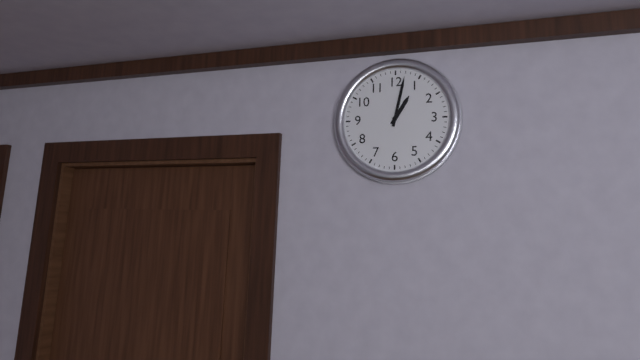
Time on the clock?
1:02
